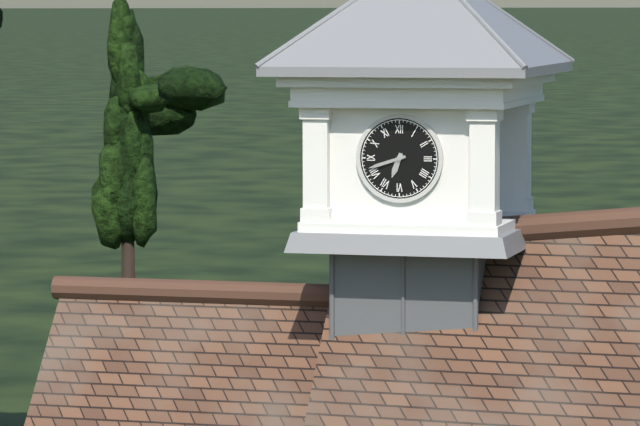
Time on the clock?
6:42
